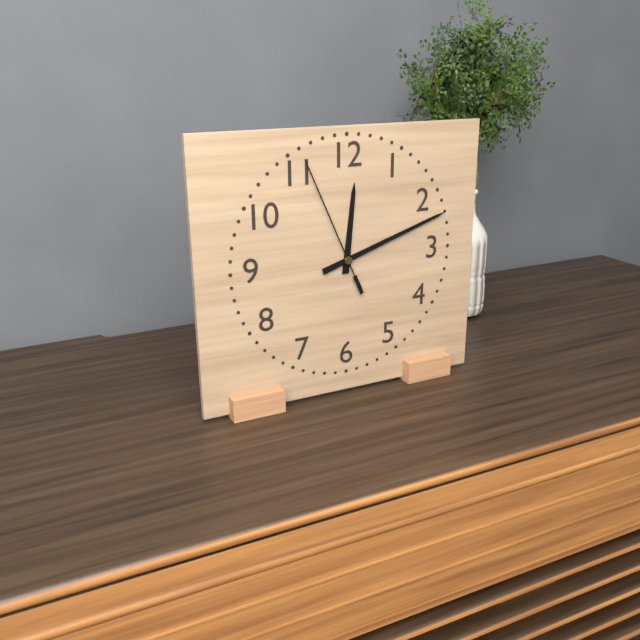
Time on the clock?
12:12:56
